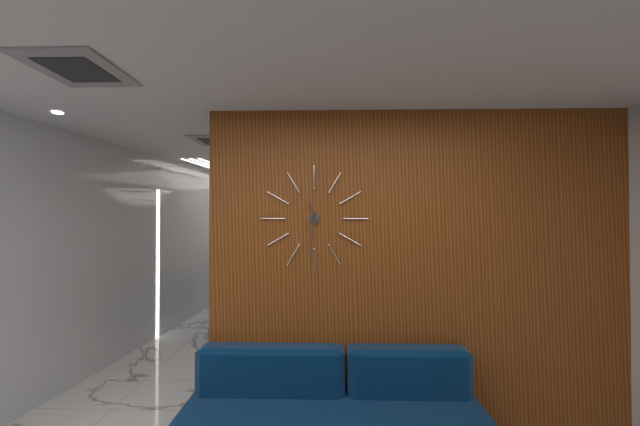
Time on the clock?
11:31
